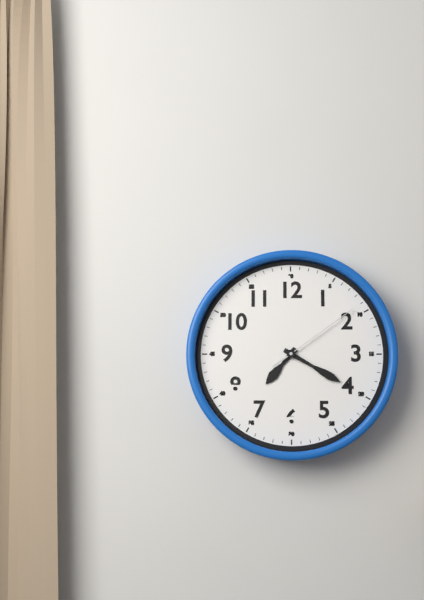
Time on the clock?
7:20:09
